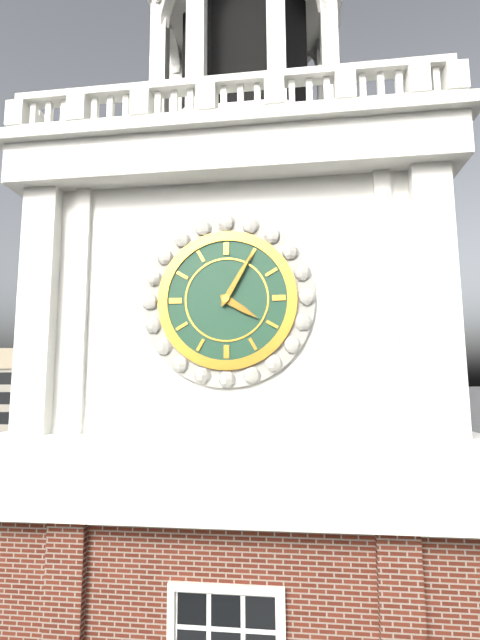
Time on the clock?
4:05
